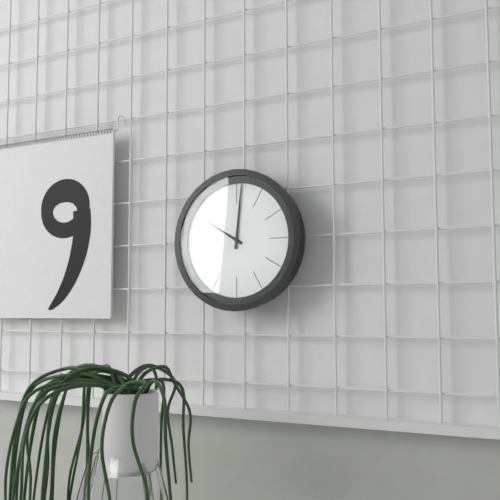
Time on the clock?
10:01
